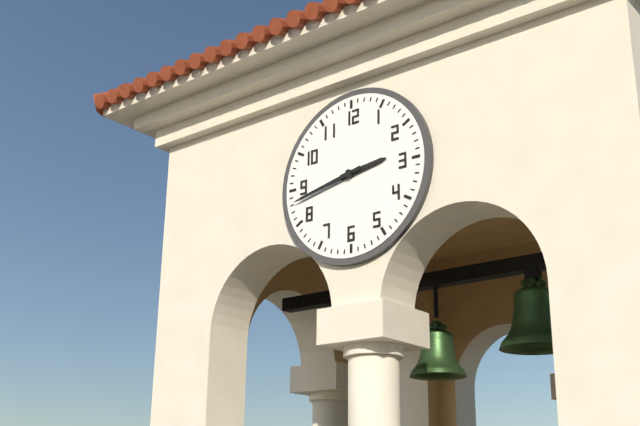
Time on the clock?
2:43
